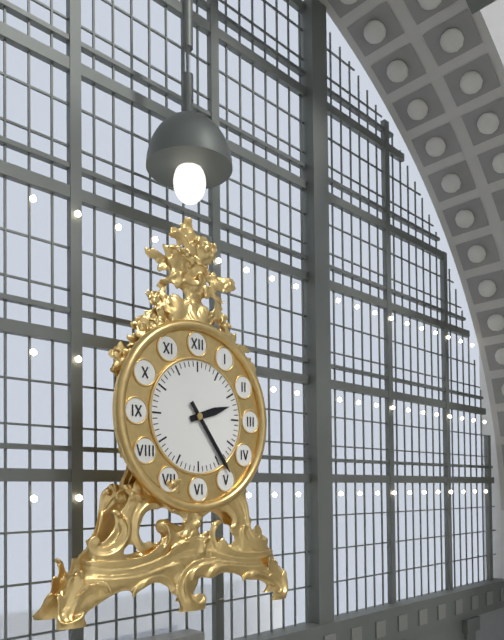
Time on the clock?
2:24
